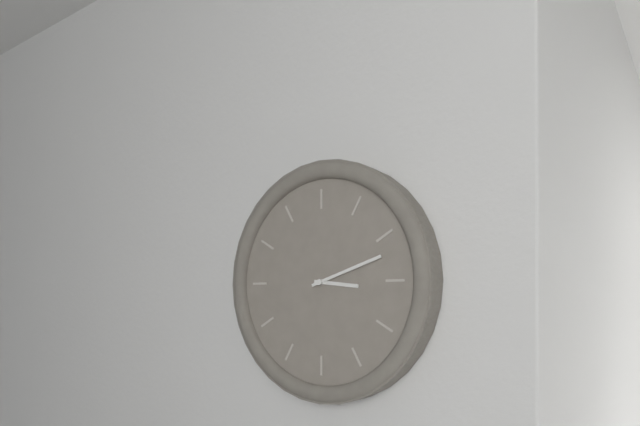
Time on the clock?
3:12
